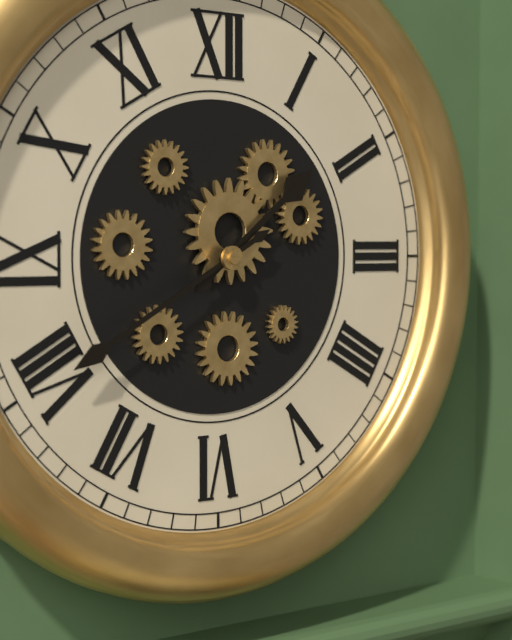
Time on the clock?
1:40
